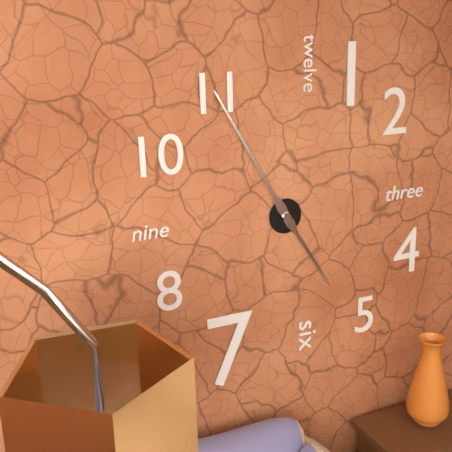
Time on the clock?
4:55
